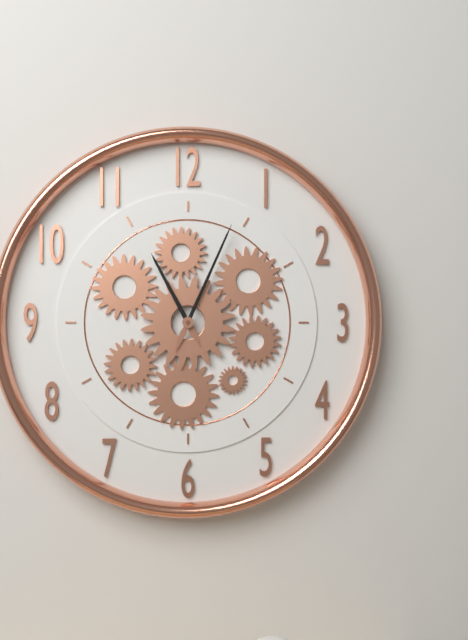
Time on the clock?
11:04
